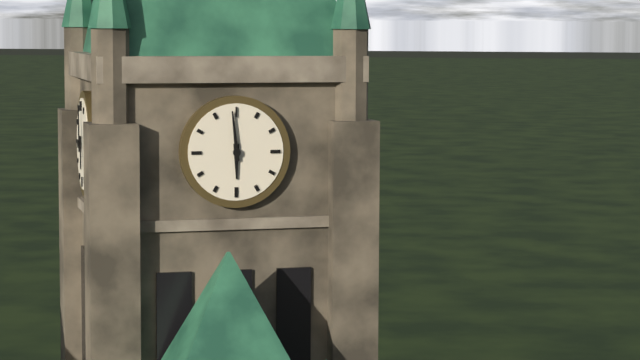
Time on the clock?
5:59
